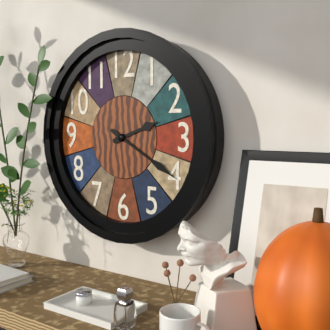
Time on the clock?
2:20
